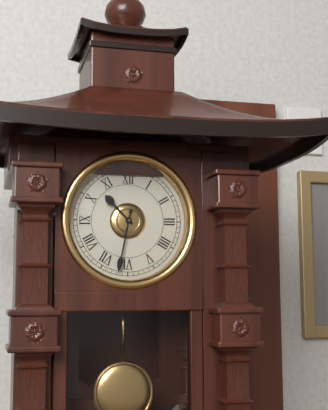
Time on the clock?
10:32
